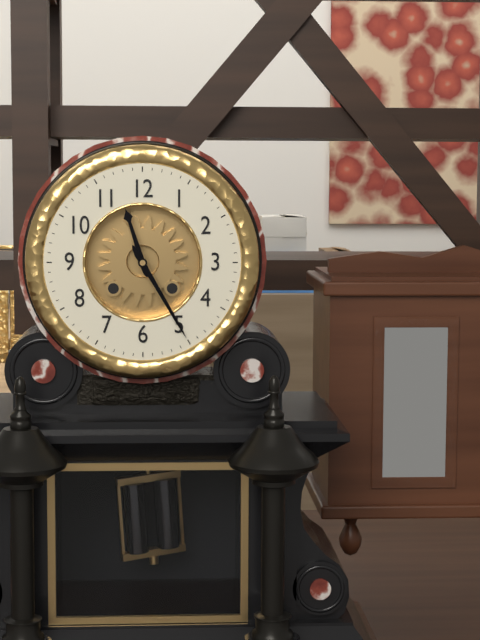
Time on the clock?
11:25
